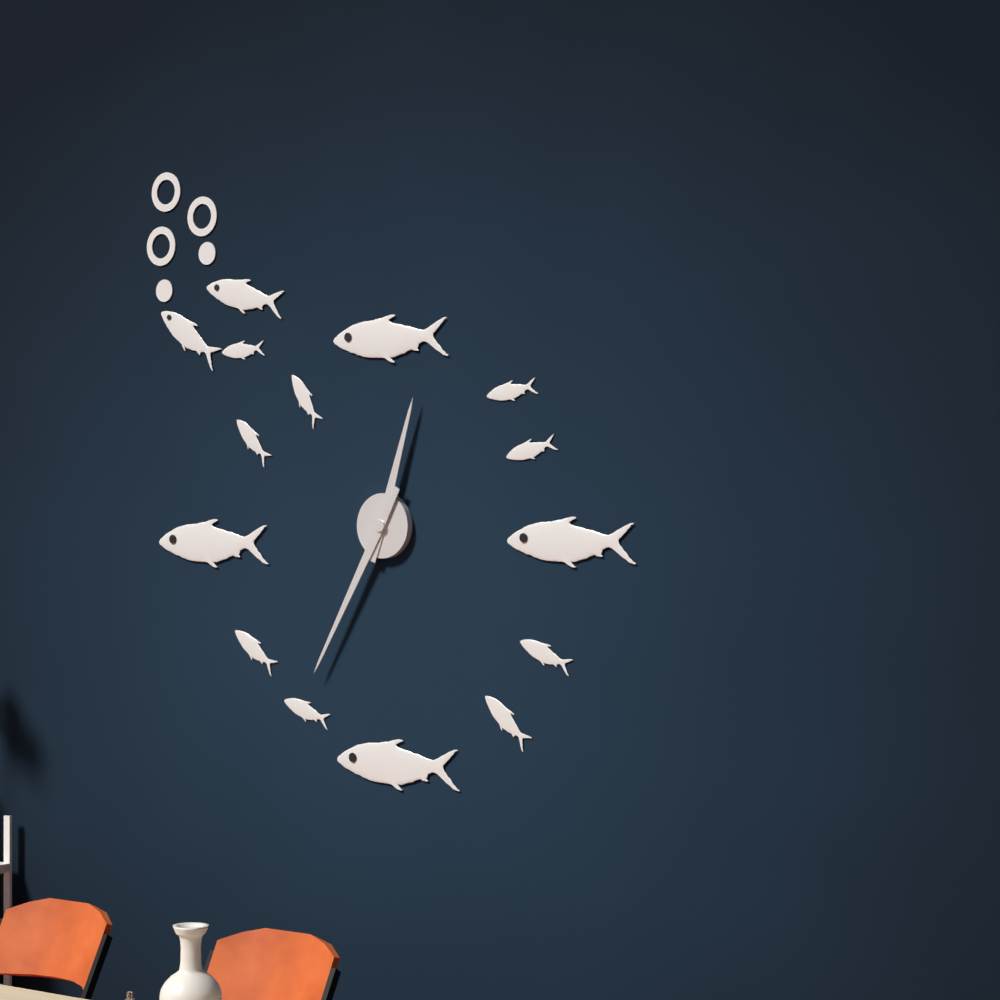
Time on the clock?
12:35
